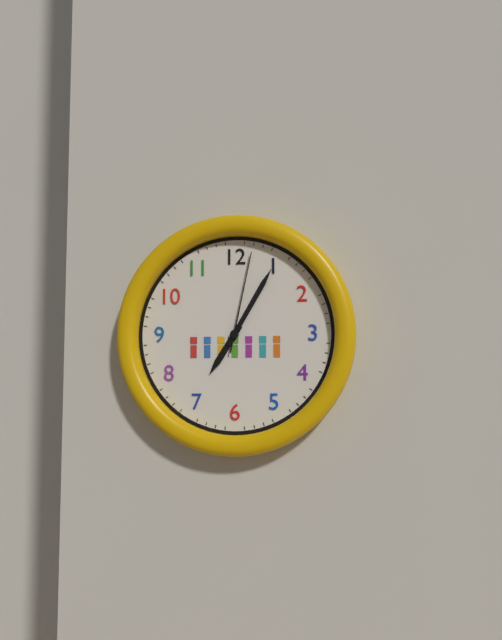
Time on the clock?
7:05:02
